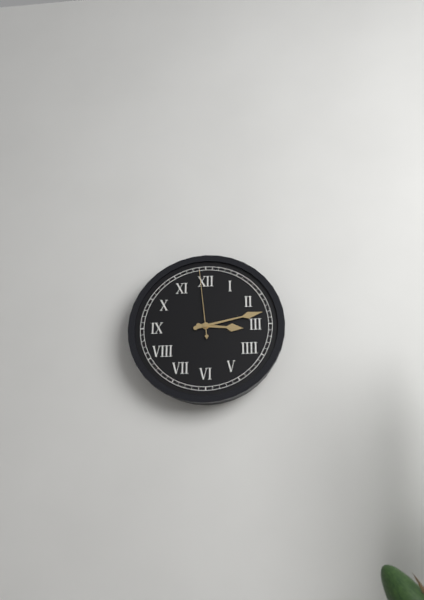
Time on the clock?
3:13:59
